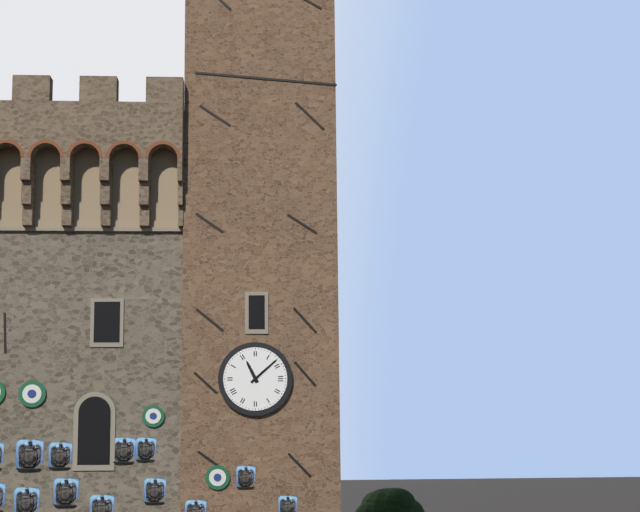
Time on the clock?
11:08
